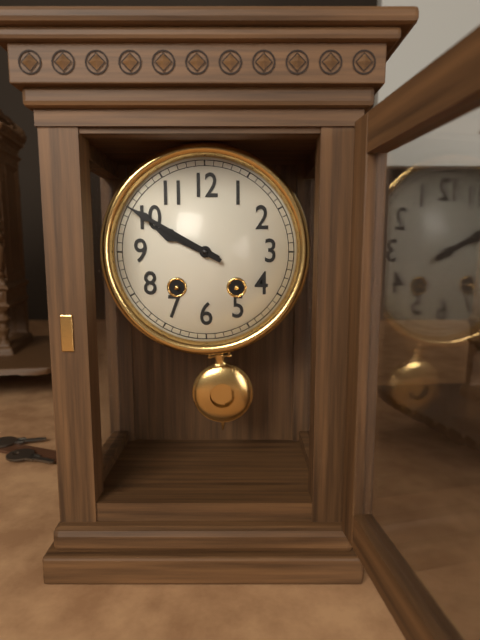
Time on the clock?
9:50
